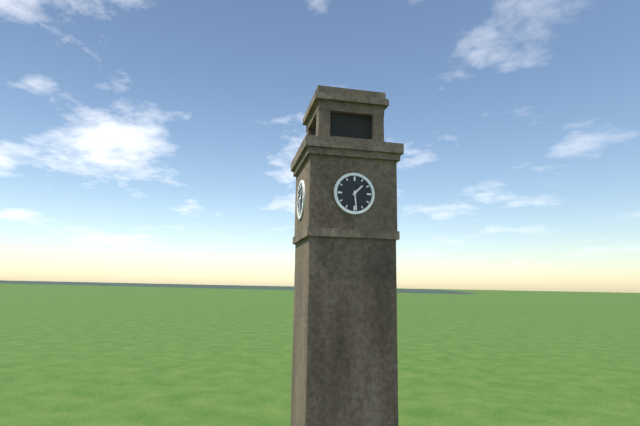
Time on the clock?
1:29
